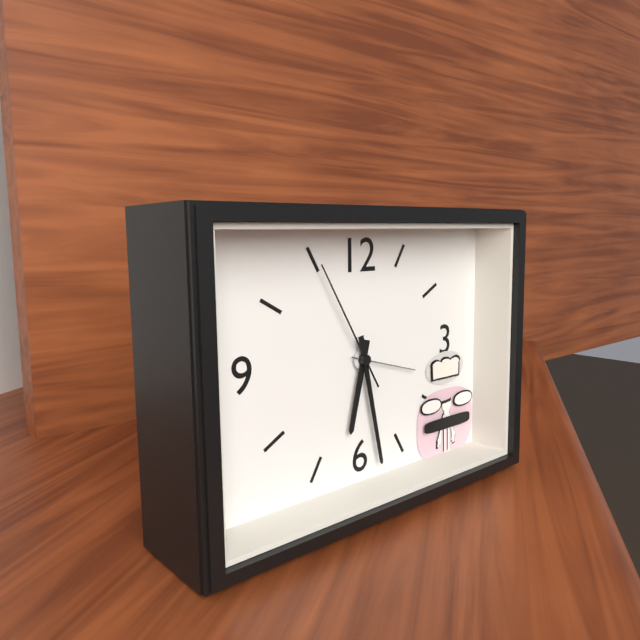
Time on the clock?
6:28:55
